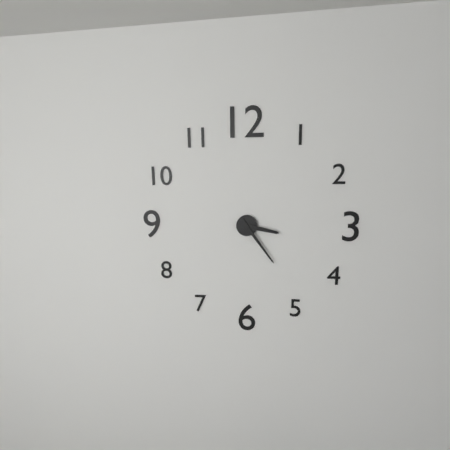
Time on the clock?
3:24
